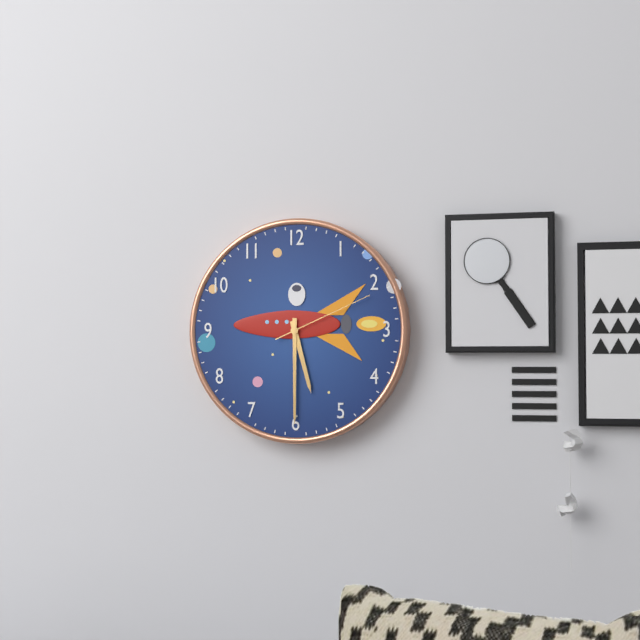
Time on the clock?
5:30:11
